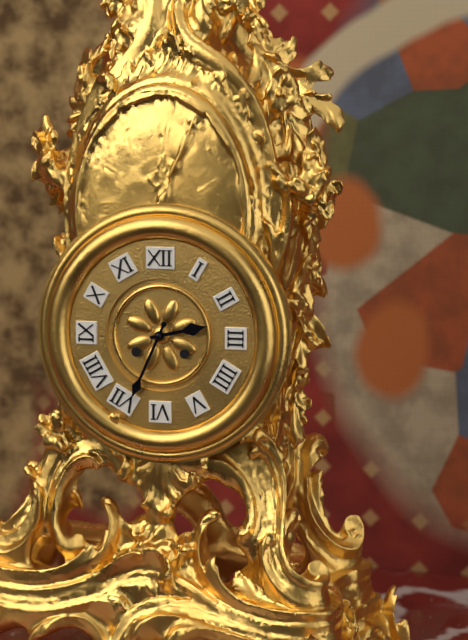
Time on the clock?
2:34
